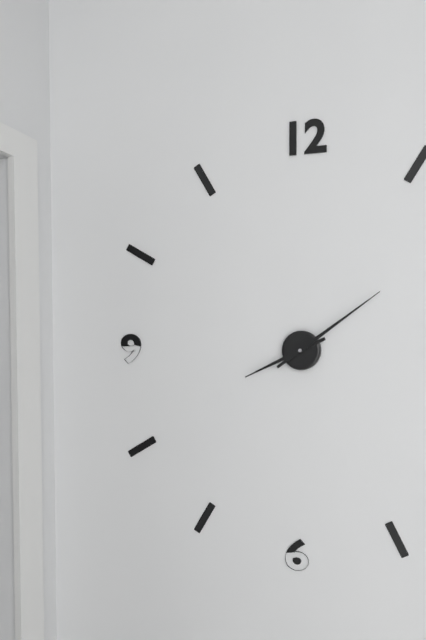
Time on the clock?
8:09
